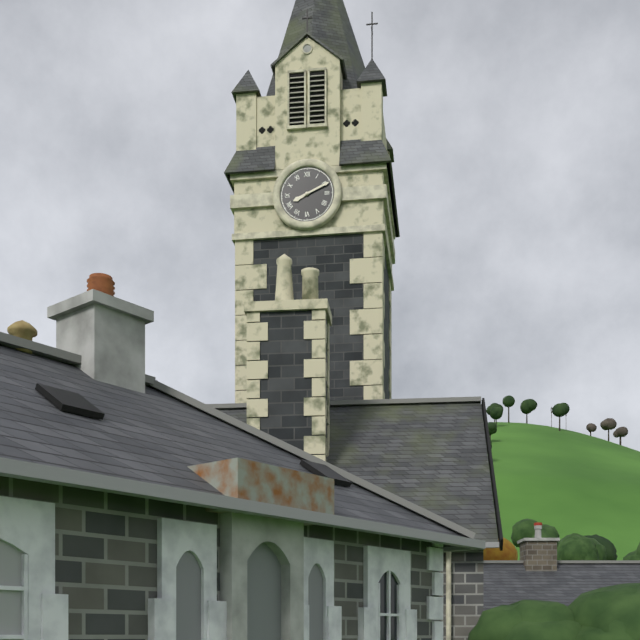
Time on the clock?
8:11
